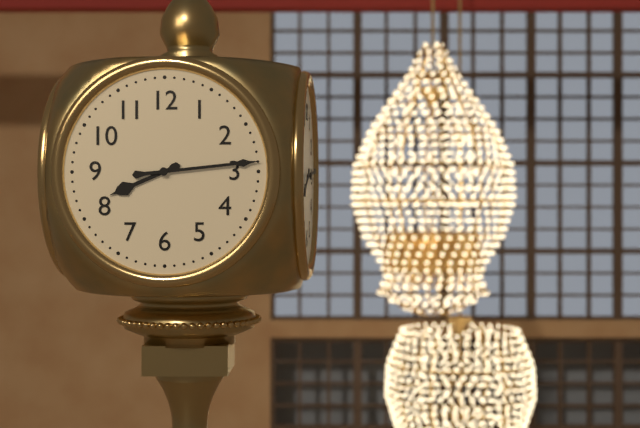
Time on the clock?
8:14
